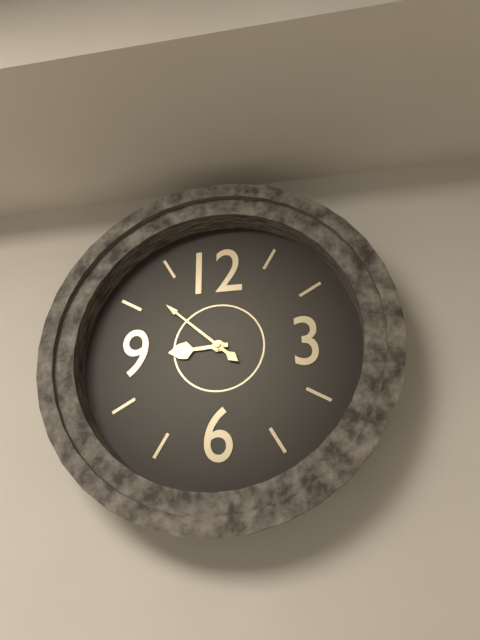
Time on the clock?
8:52
